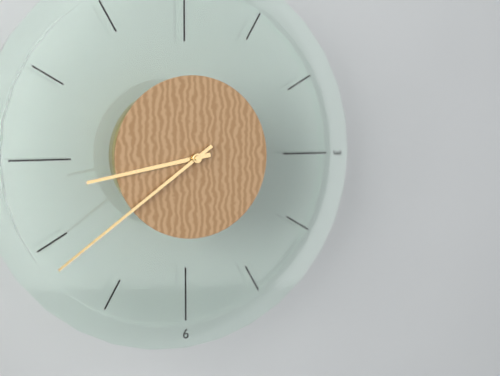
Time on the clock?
8:39
